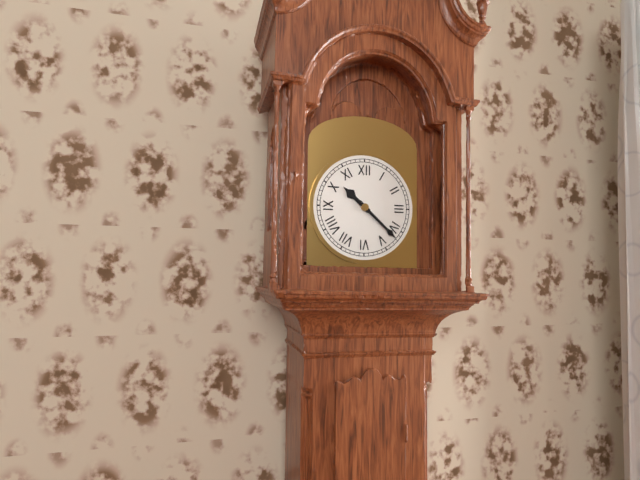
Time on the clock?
10:22
